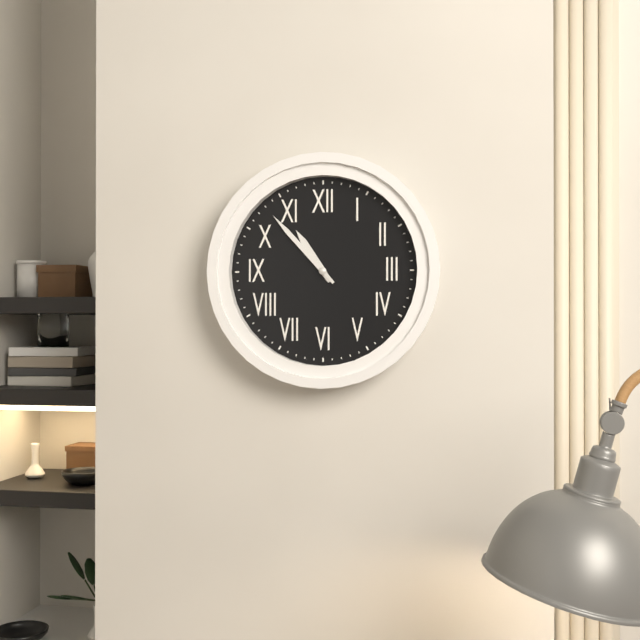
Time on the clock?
10:53
